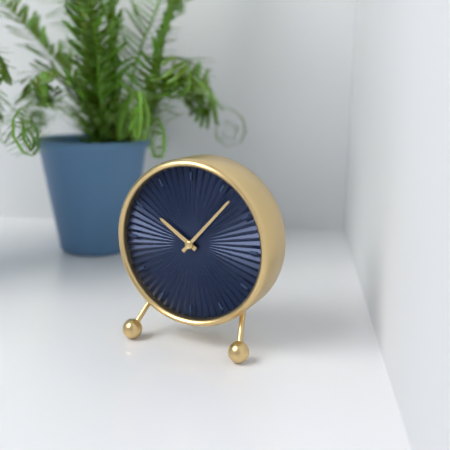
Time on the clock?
10:07
